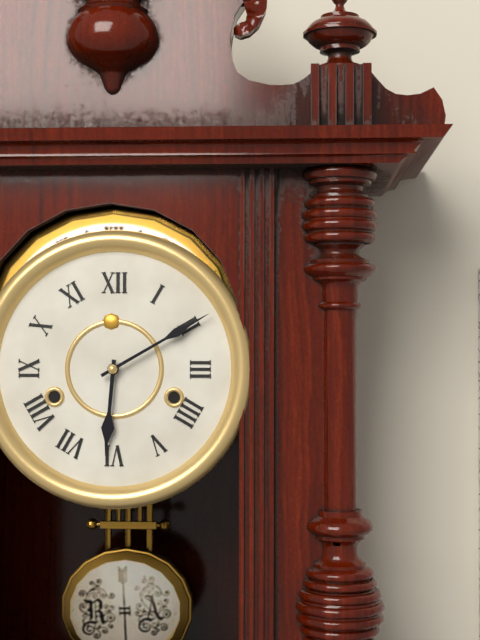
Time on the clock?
6:10
